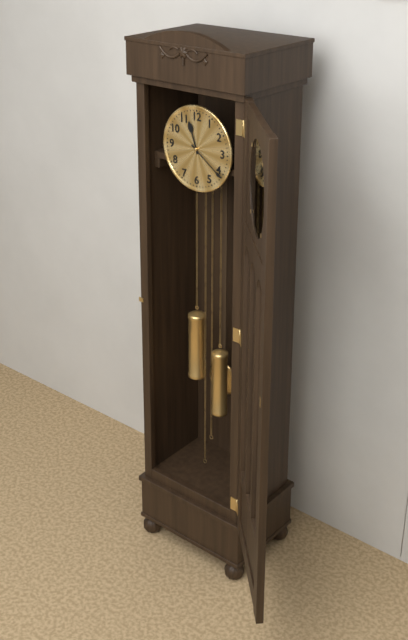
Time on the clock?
11:21
